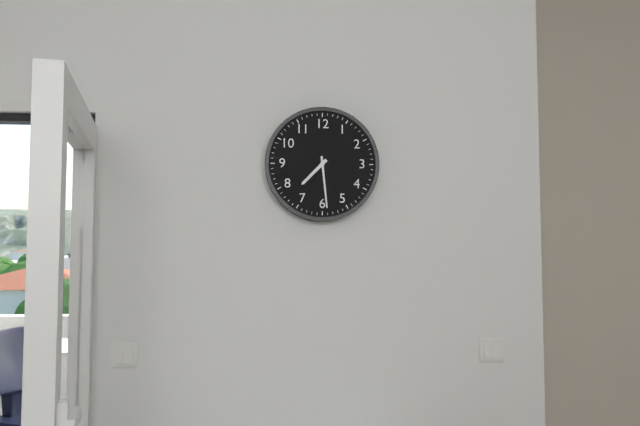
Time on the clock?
7:29
